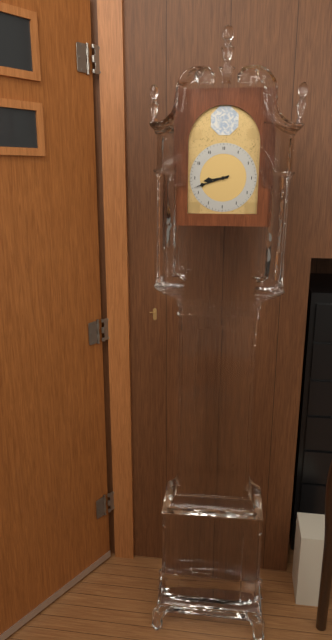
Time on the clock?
8:42
